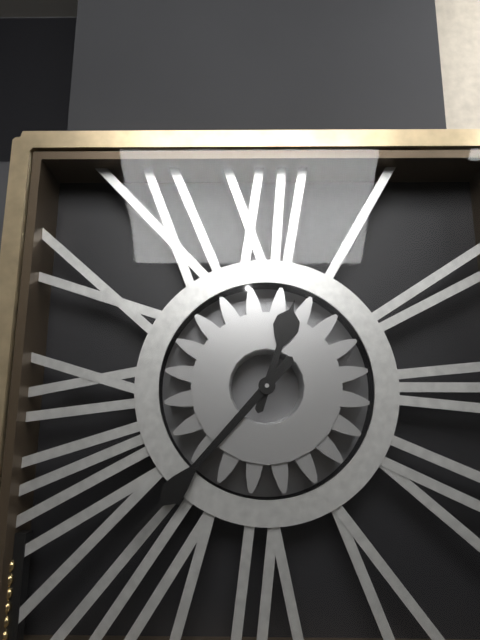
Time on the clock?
12:37
